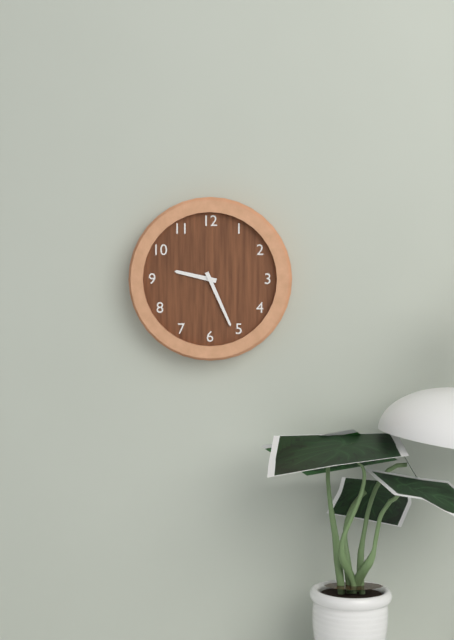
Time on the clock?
9:26
